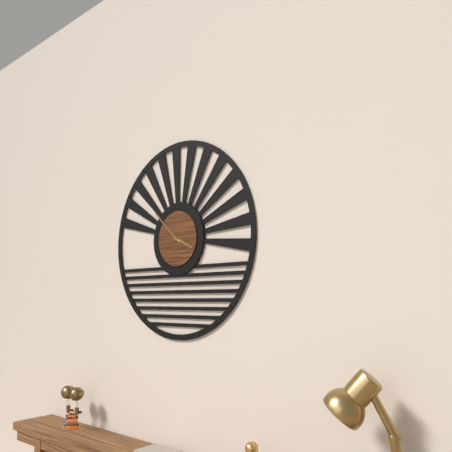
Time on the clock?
3:52
